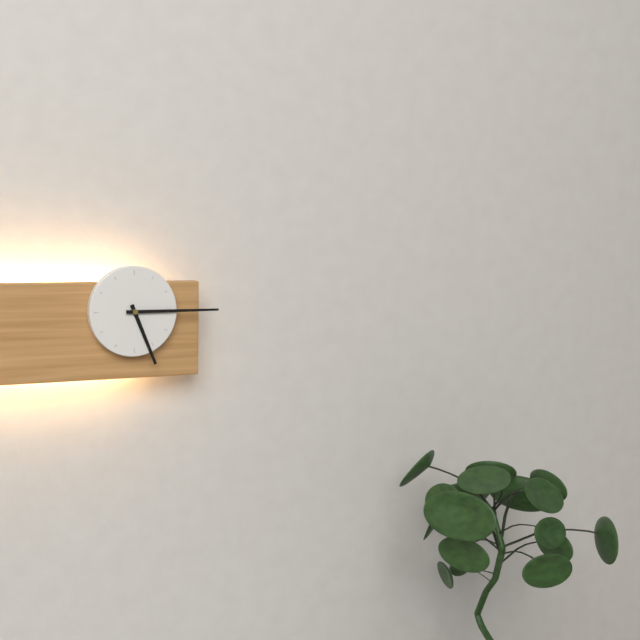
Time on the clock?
5:15
